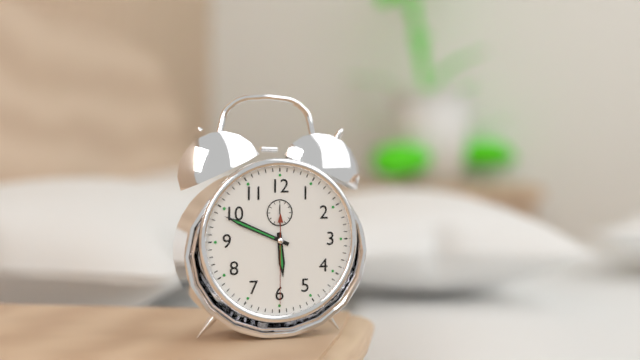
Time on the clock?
5:49:30
